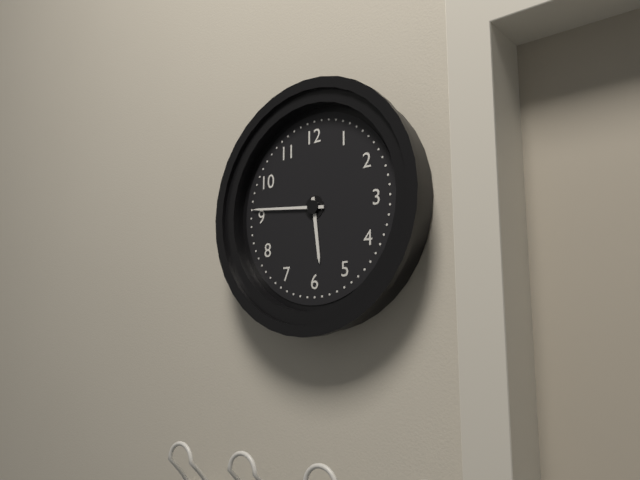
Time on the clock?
5:46
